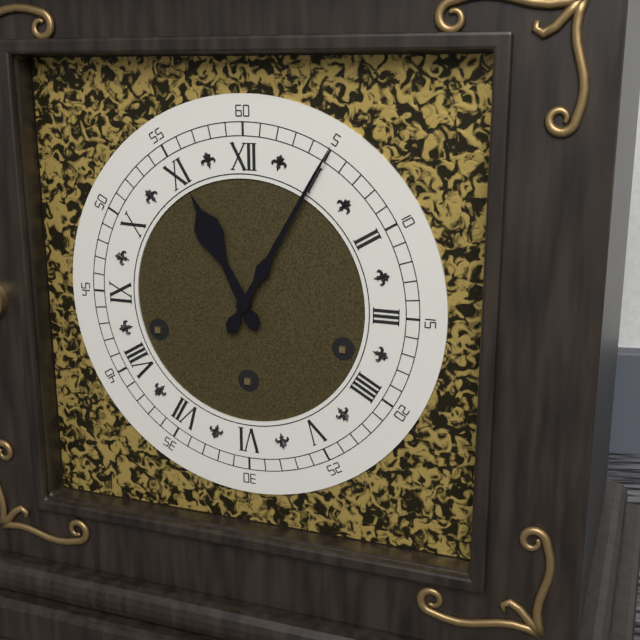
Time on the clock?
11:05
